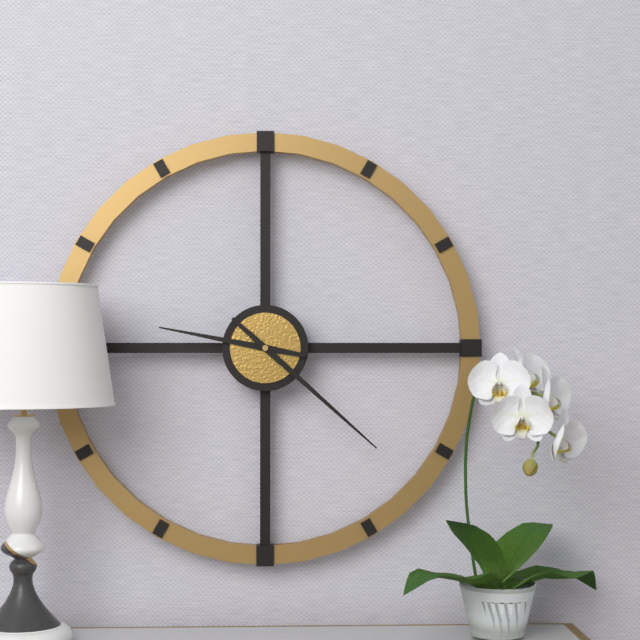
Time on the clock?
9:22
